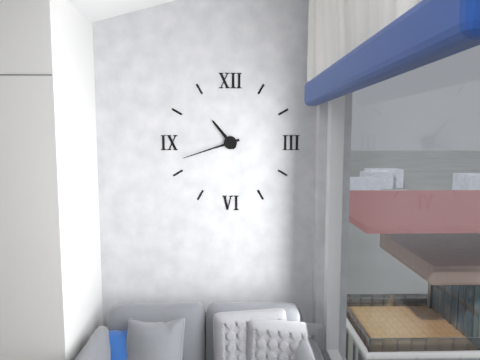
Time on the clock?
10:42
